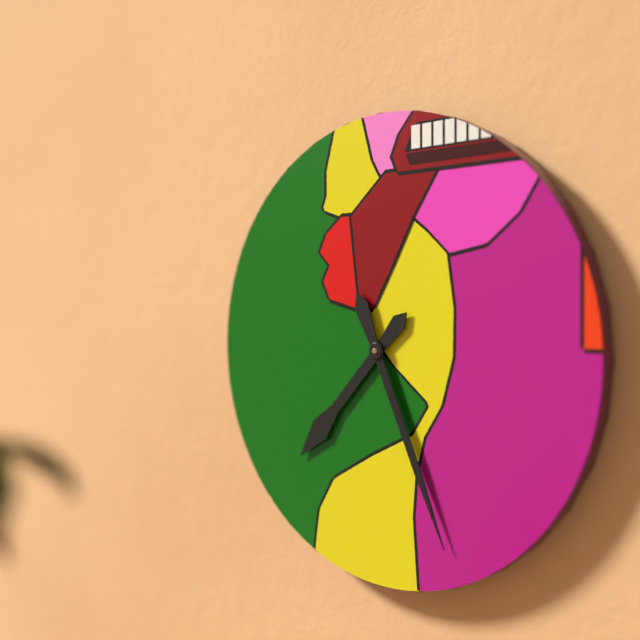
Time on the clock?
7:26
